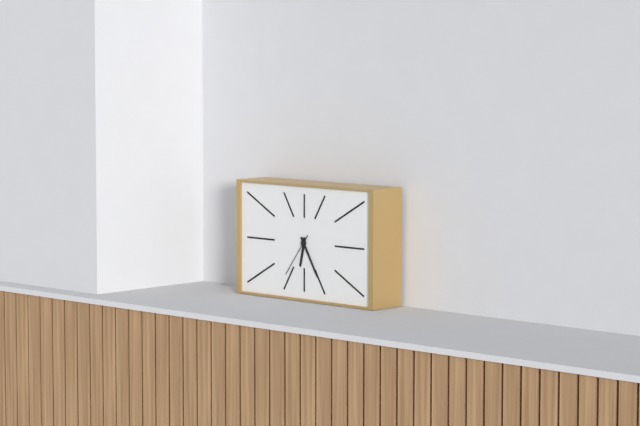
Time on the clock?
6:25
